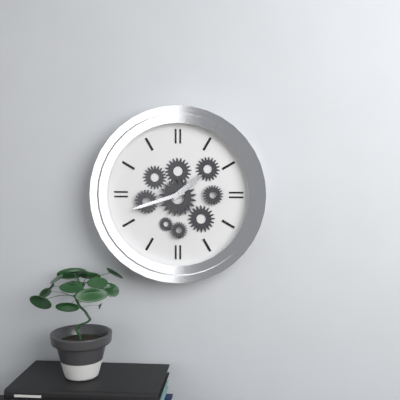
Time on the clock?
1:42
